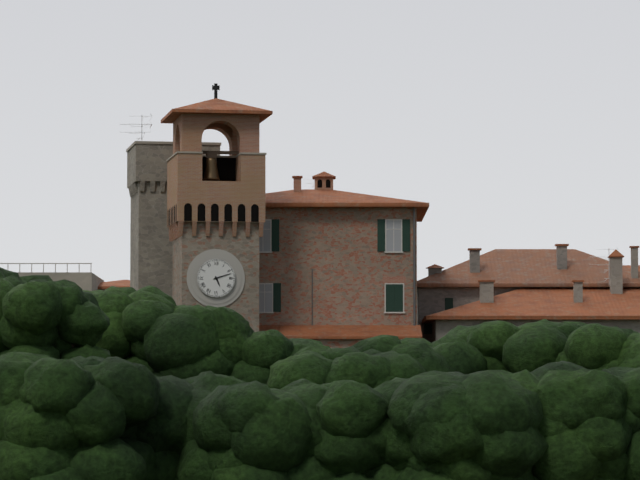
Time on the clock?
5:12
